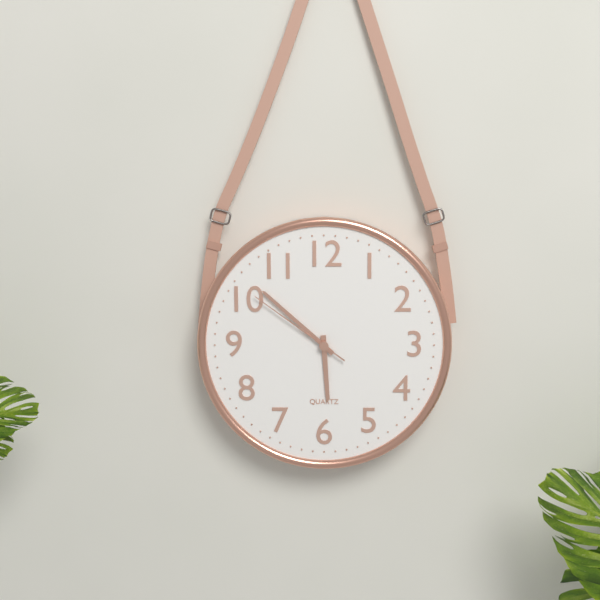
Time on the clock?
5:52:51
